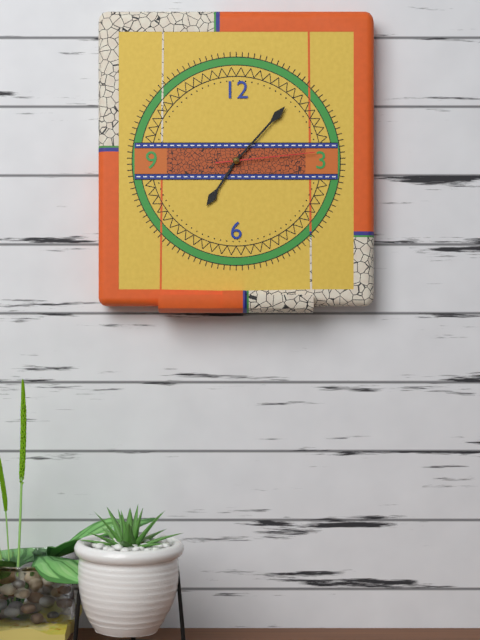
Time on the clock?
7:07:14
